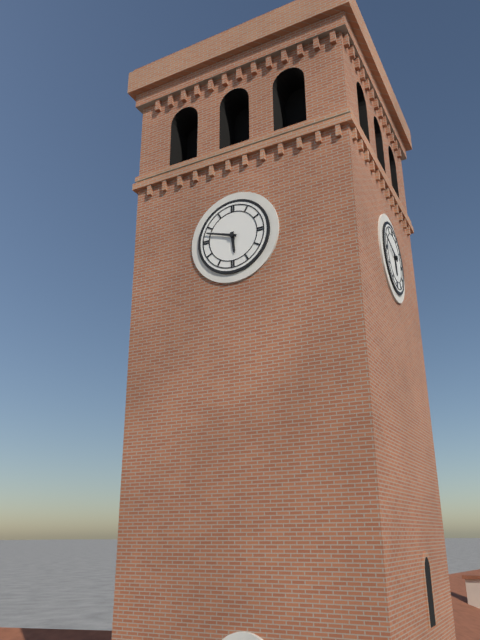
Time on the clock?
5:48
